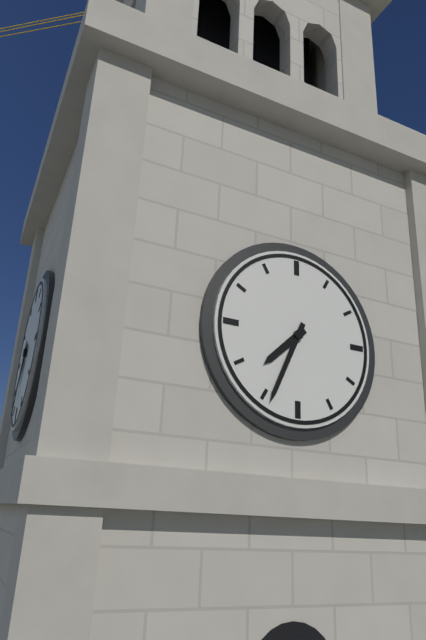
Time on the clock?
7:34
